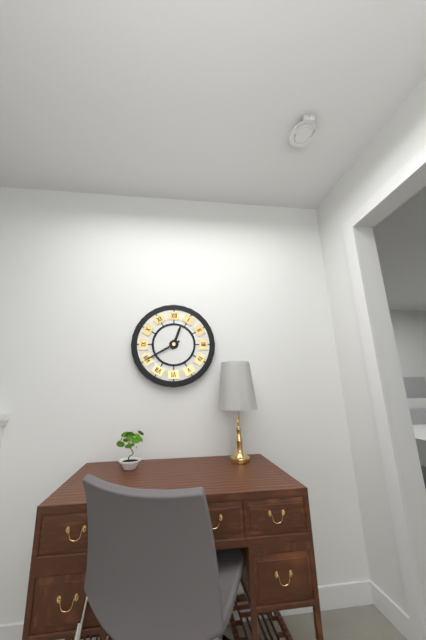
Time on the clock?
12:40
